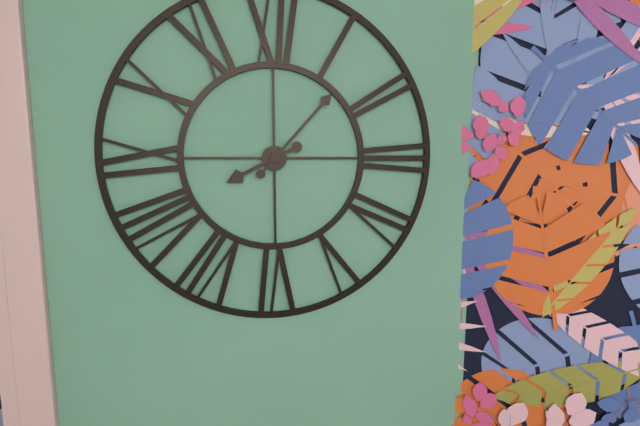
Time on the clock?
8:07
